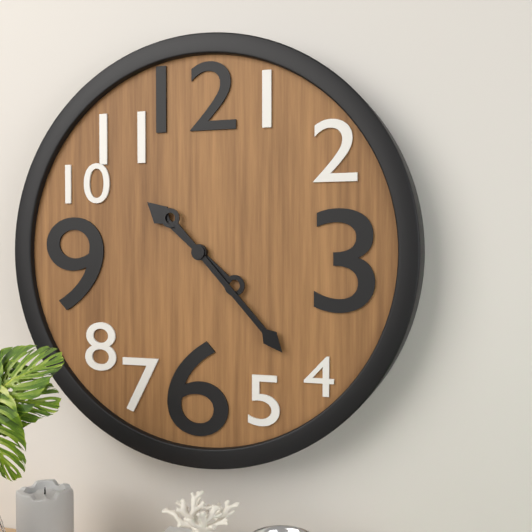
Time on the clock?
10:23
